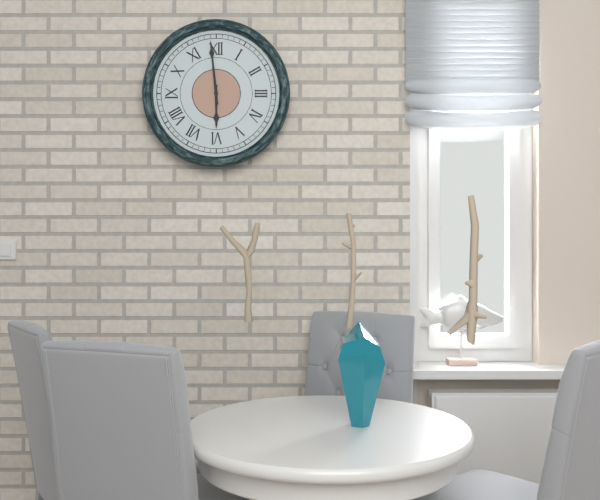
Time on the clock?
5:59
